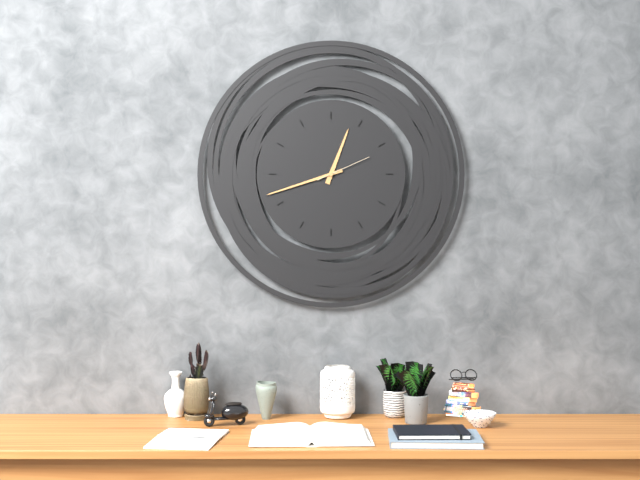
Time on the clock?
12:42:11
